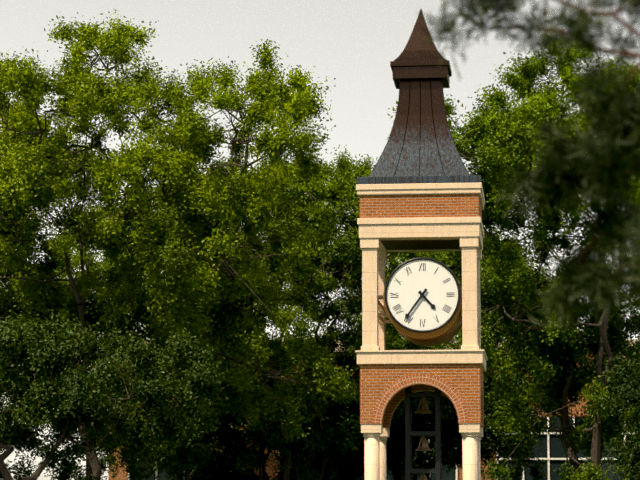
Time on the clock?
4:36
